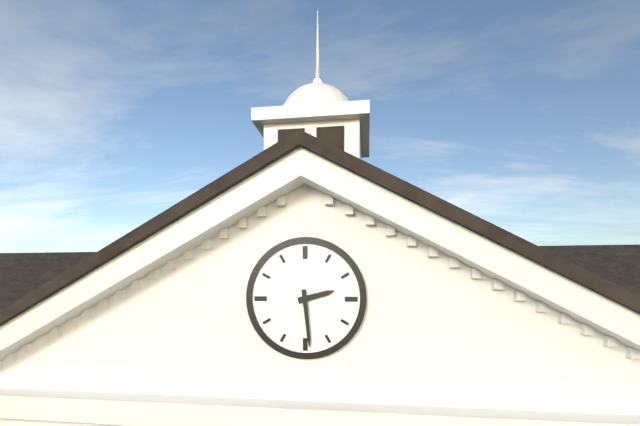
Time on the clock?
2:29
